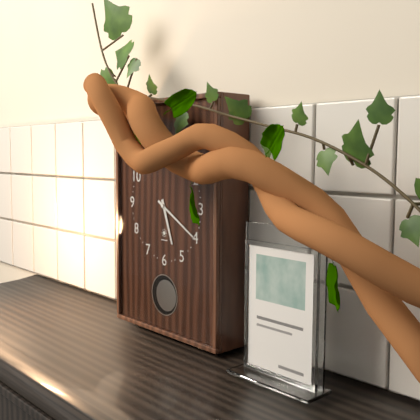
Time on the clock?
5:20
